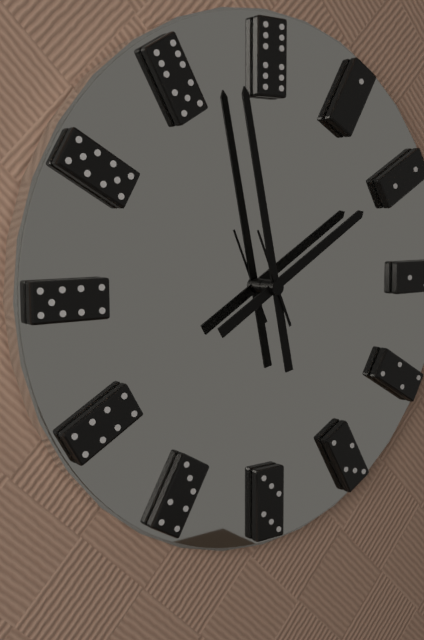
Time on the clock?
1:58:56
